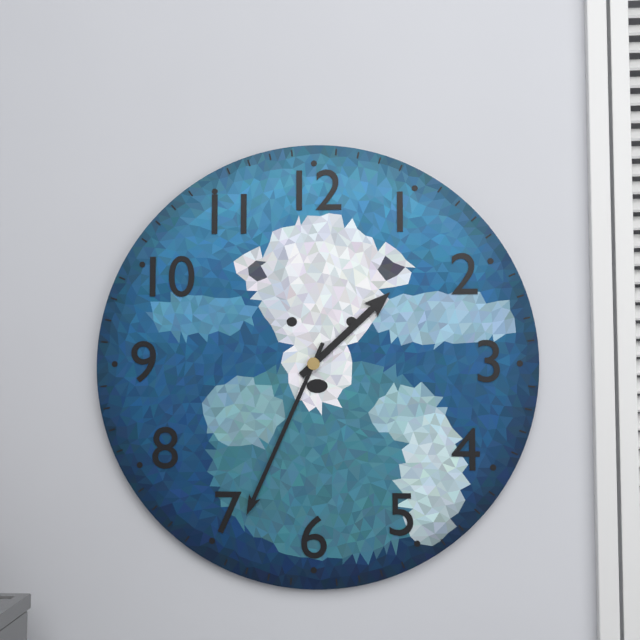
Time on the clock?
1:34
